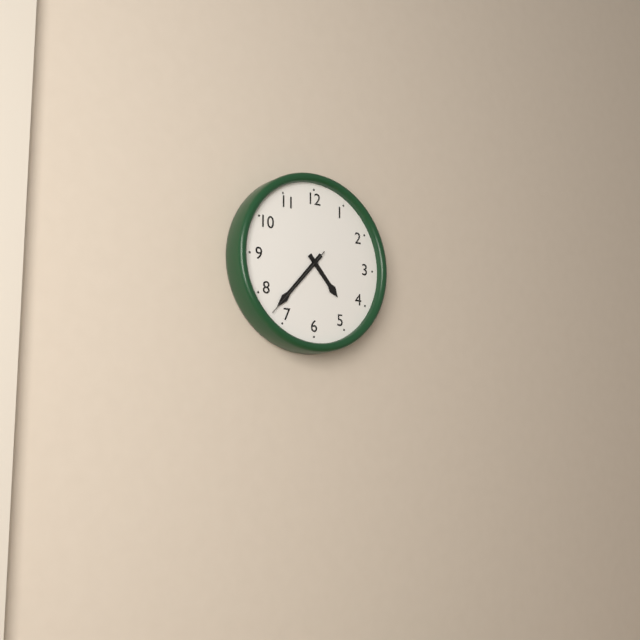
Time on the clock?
4:37:37
